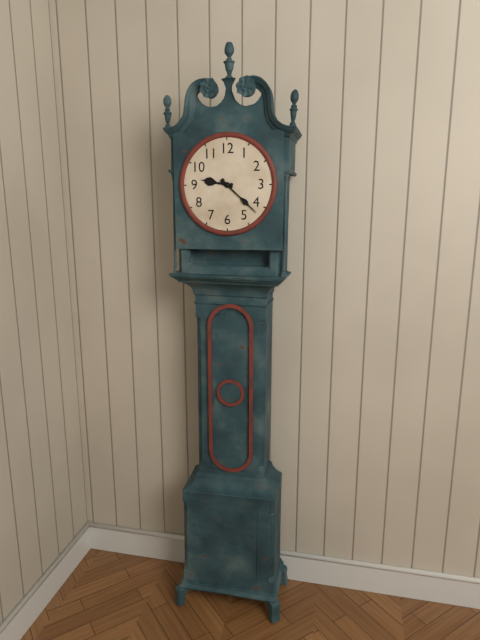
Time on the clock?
9:22
